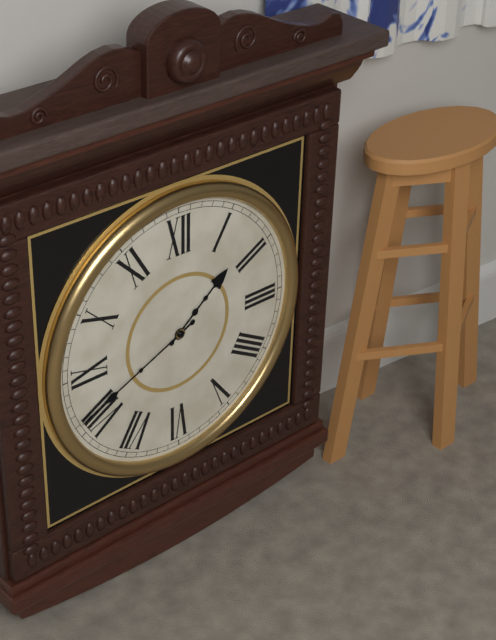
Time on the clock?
1:41
